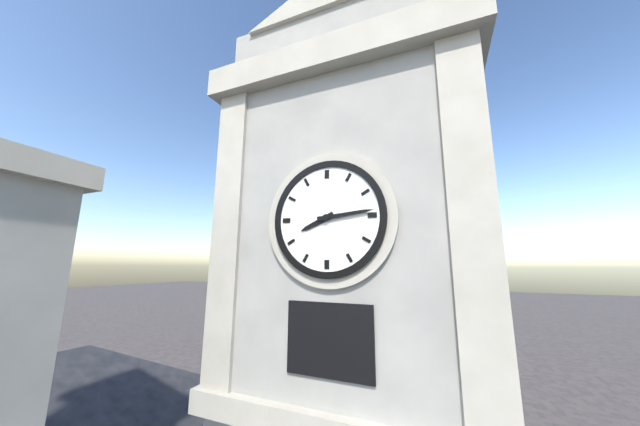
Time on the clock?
8:14
